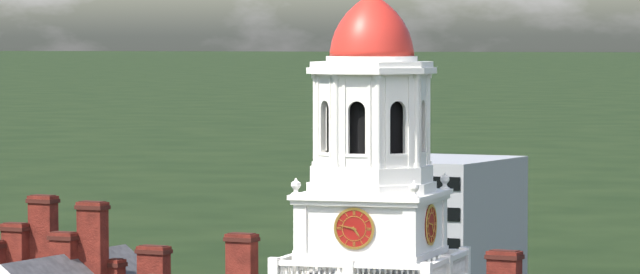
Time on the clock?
4:47
